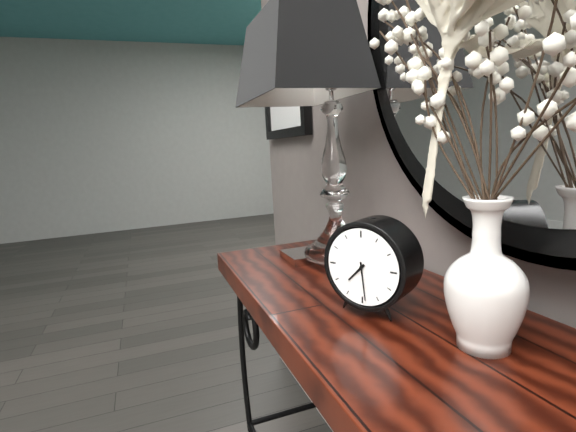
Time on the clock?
7:29
